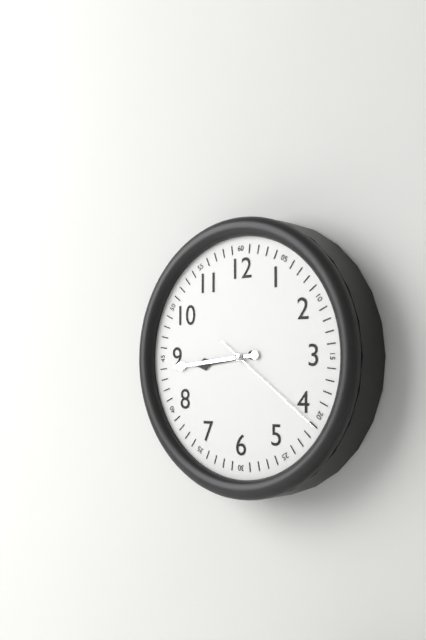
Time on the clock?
8:44:21
